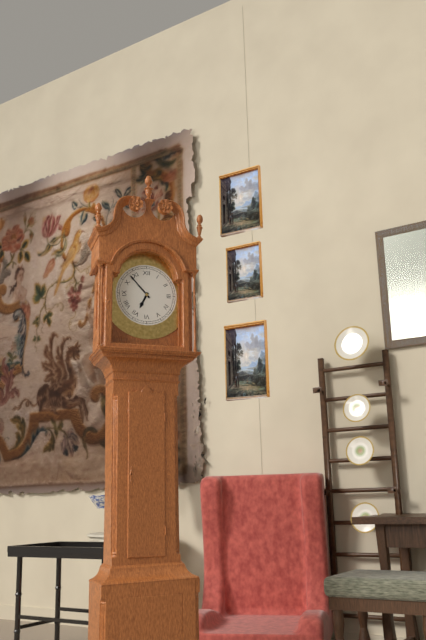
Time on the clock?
6:53
